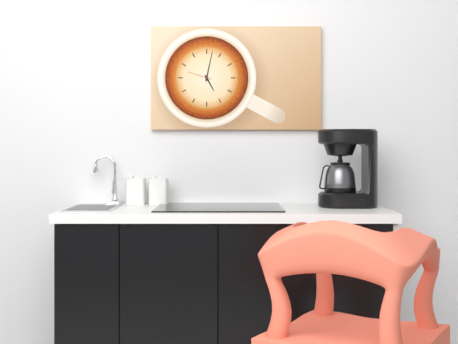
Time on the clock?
5:02
